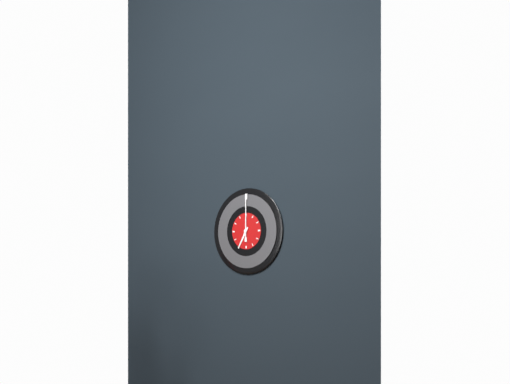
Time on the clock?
7:00
